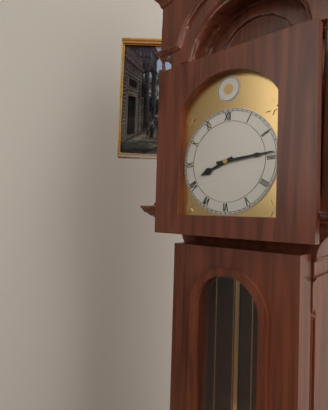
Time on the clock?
8:14
